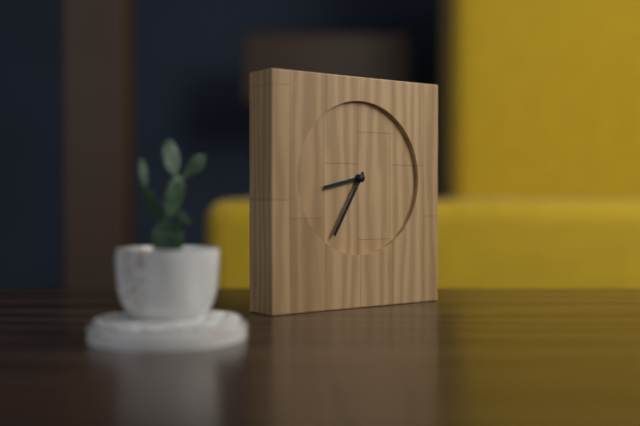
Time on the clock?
8:35
